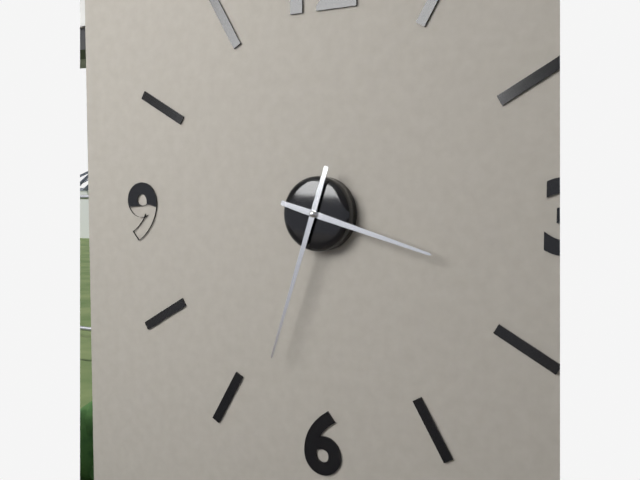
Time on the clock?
3:33
